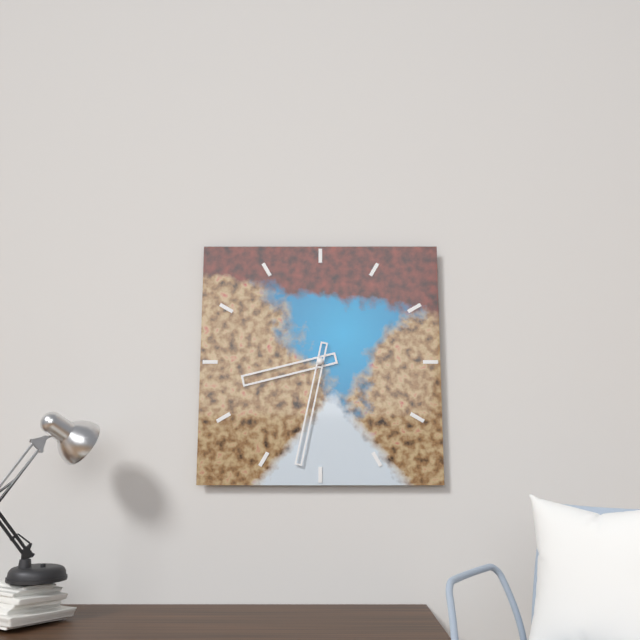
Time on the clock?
8:32
